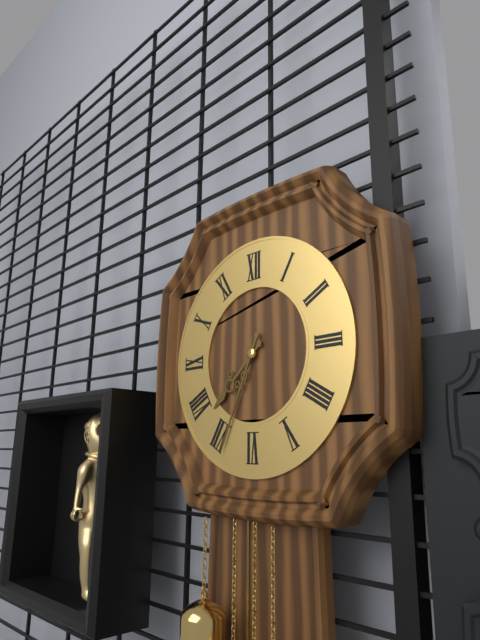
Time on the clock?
7:34
